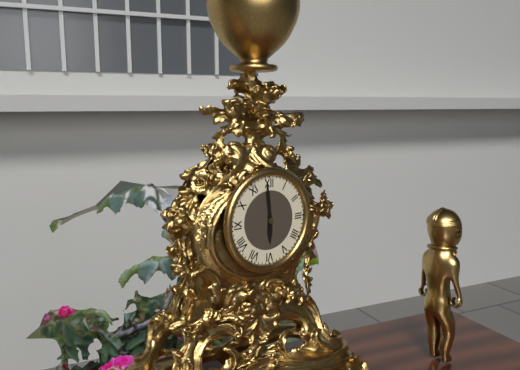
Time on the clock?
5:59
